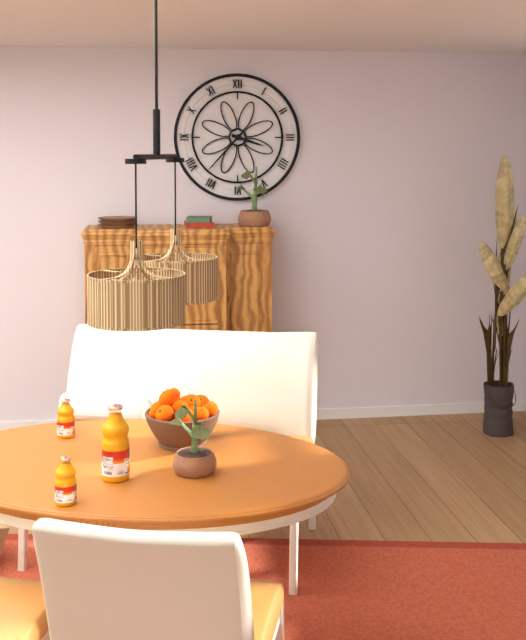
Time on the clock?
3:37
